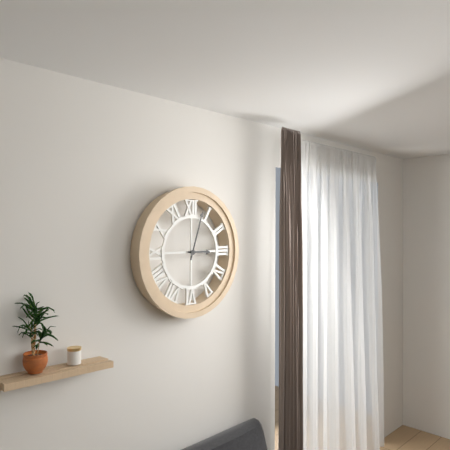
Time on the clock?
3:03
